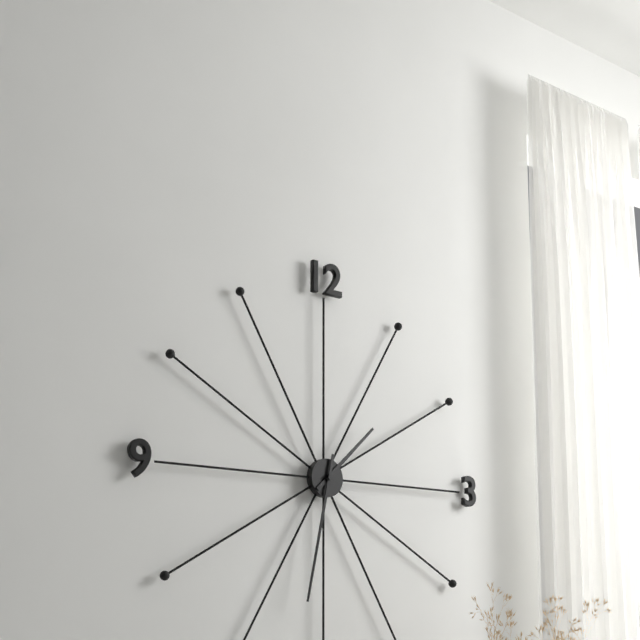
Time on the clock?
1:32
